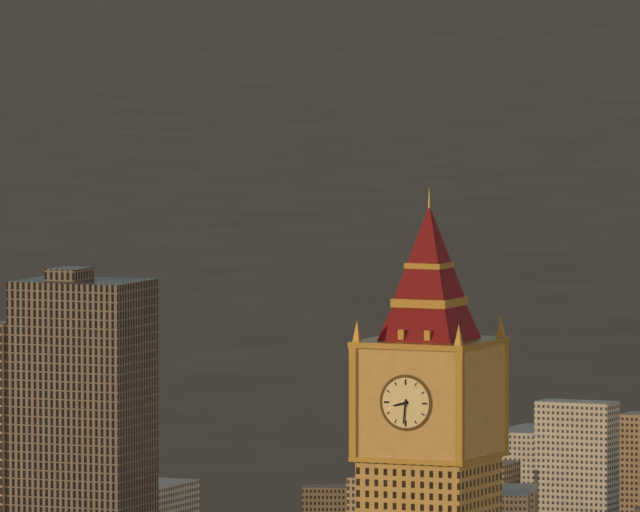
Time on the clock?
8:31
